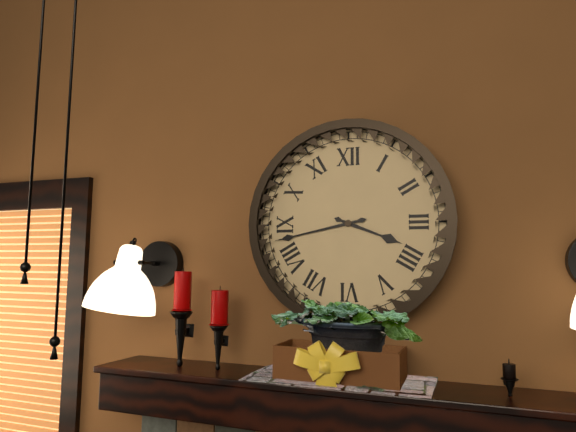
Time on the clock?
3:43
